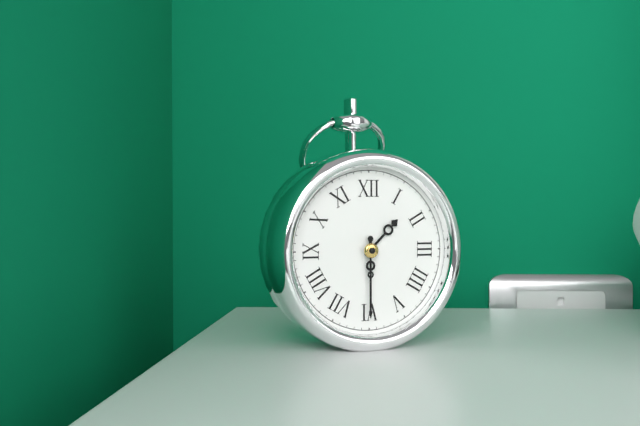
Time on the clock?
1:30
